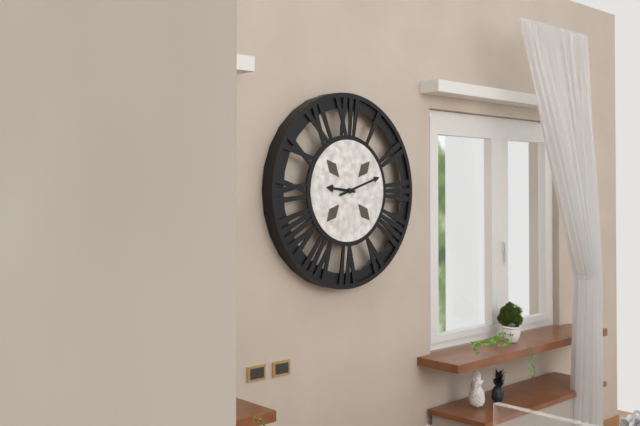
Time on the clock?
9:12
